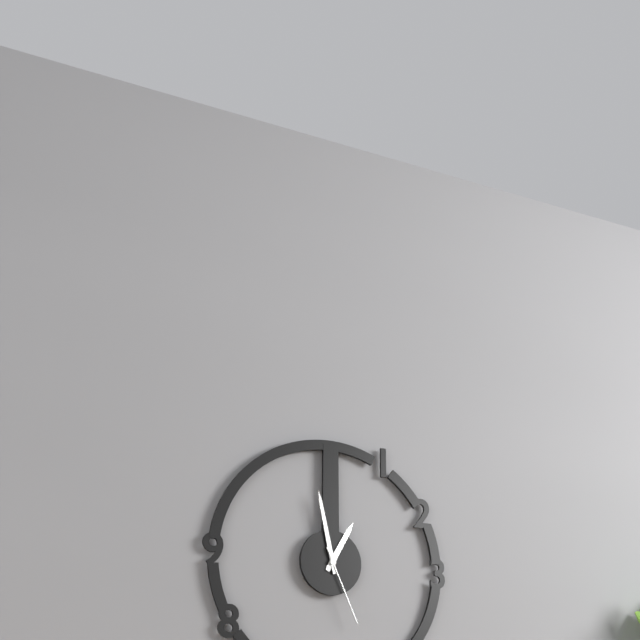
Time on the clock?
12:58:26
